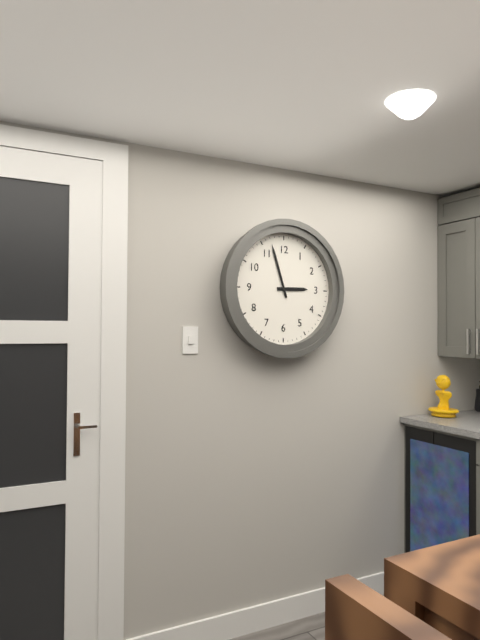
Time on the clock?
2:57
